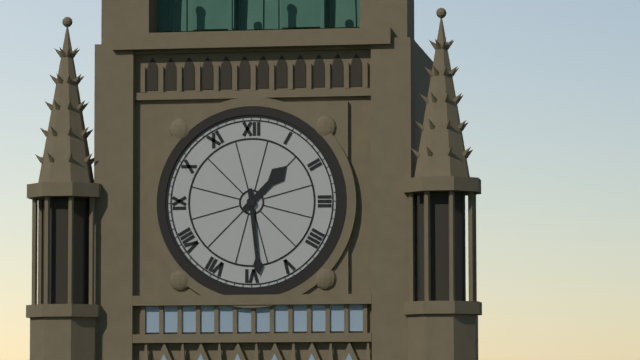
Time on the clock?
1:29
